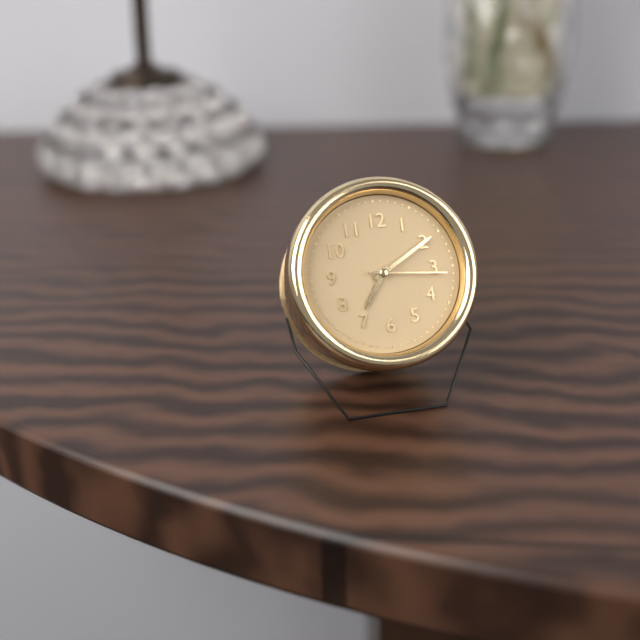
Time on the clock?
7:10:16
